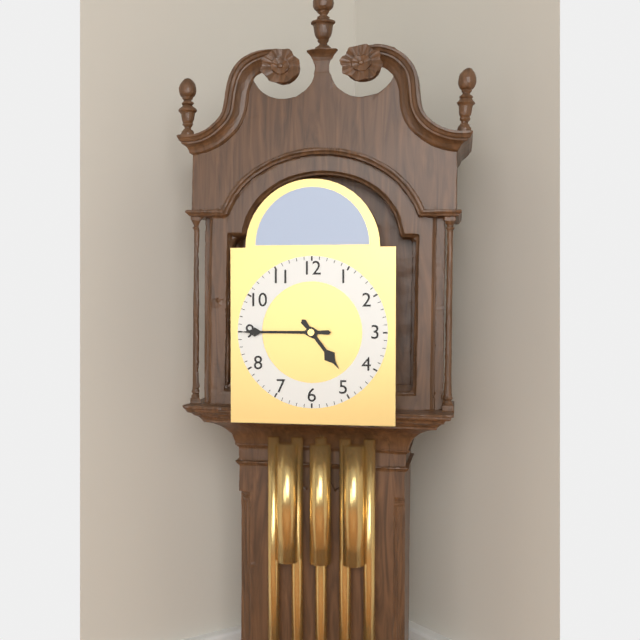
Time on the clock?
4:45
